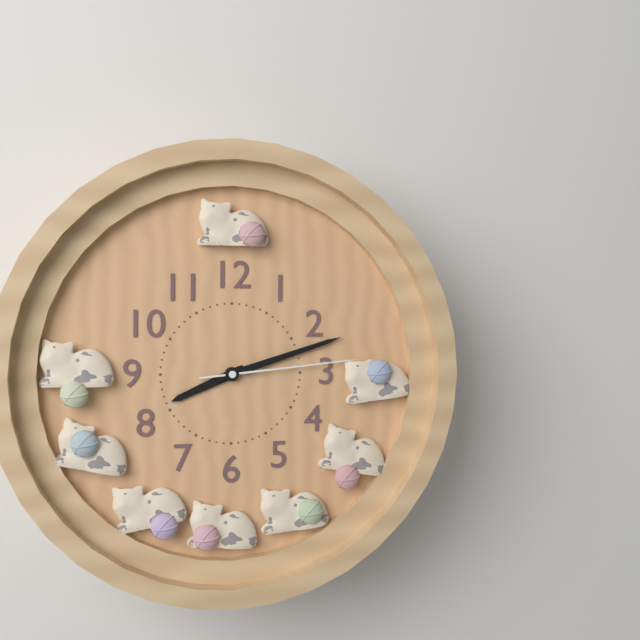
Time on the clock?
8:12:14
